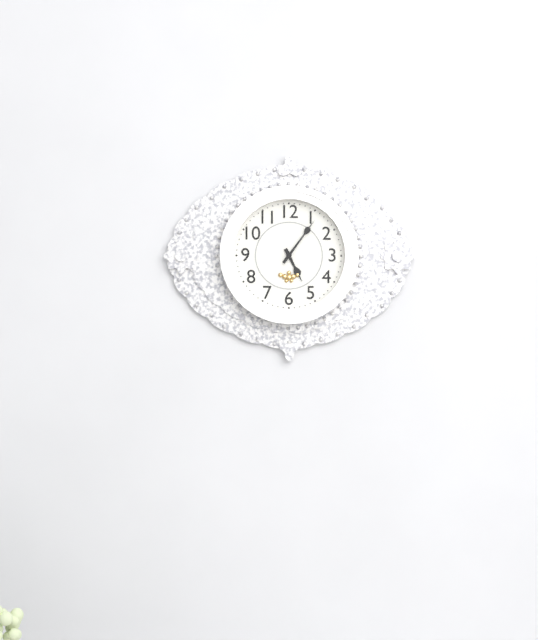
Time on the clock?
5:06
